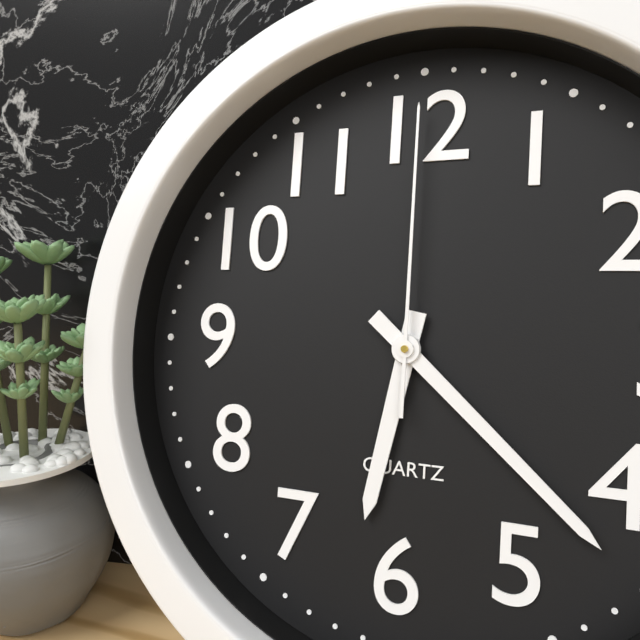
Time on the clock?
6:22:00
